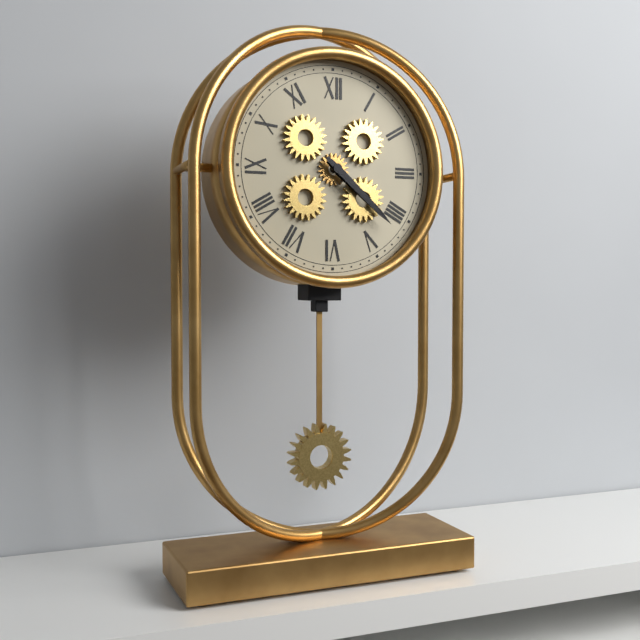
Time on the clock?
4:22
